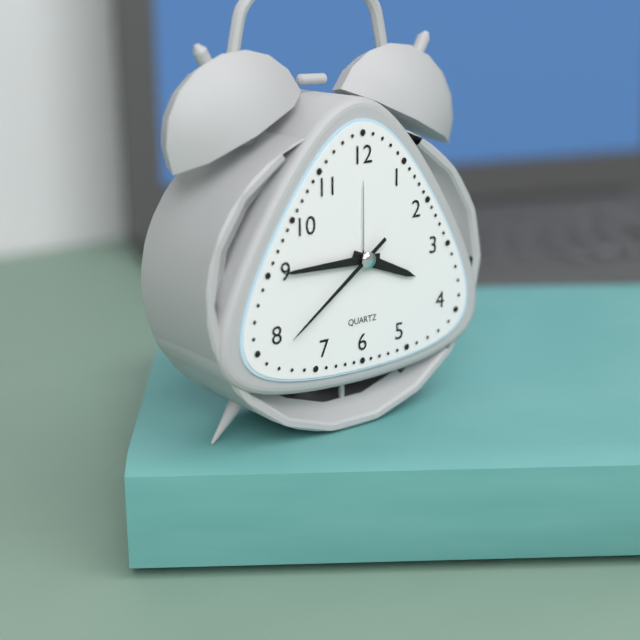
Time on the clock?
3:45:39
